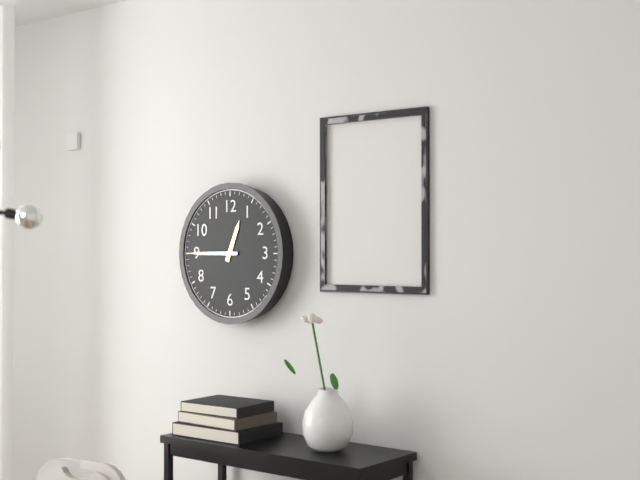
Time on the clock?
12:45
